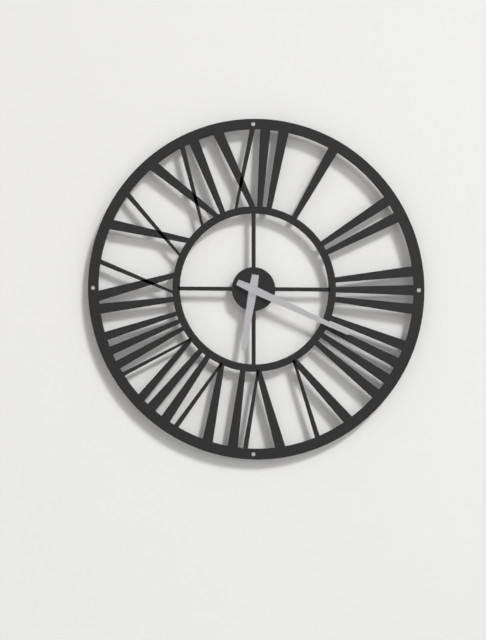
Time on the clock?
6:19
